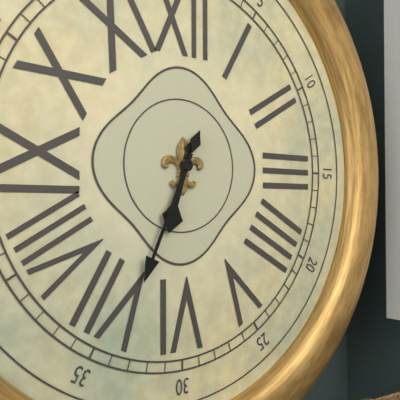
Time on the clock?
6:34
